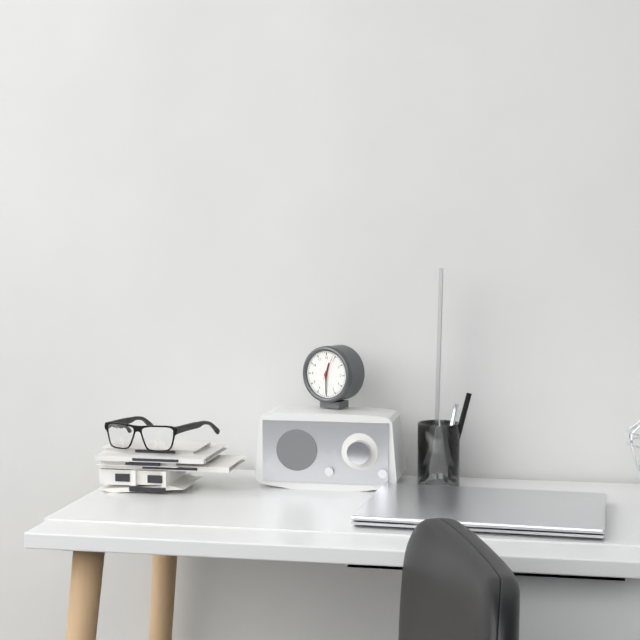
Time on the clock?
12:30
